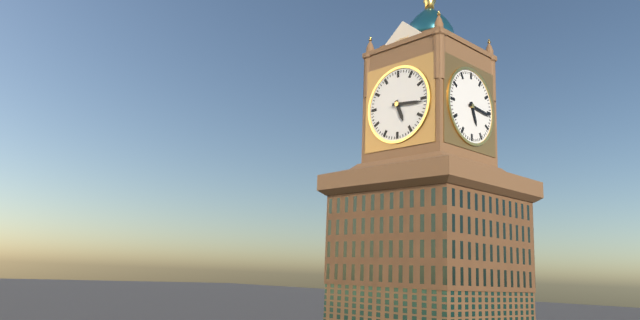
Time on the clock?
5:16
